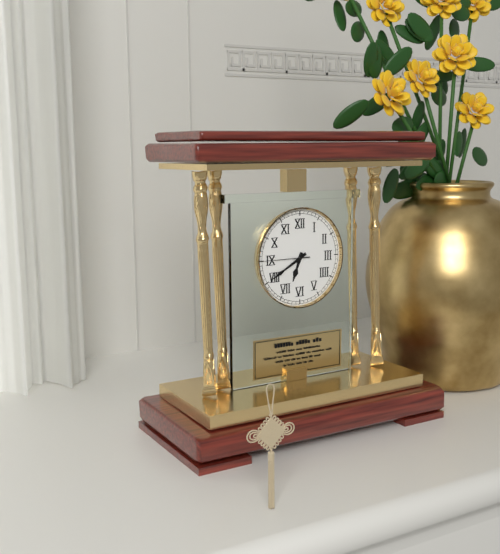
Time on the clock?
6:40
